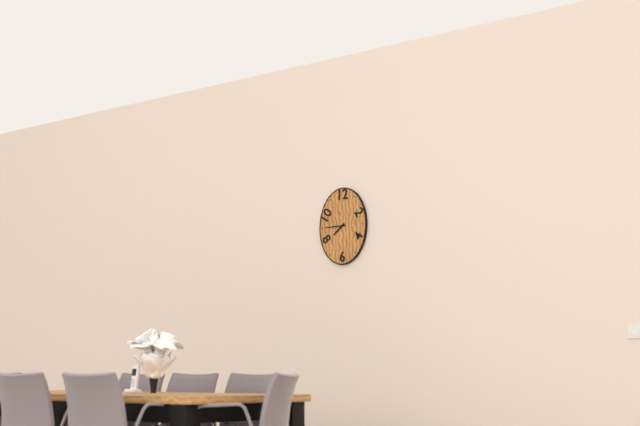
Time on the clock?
7:45
